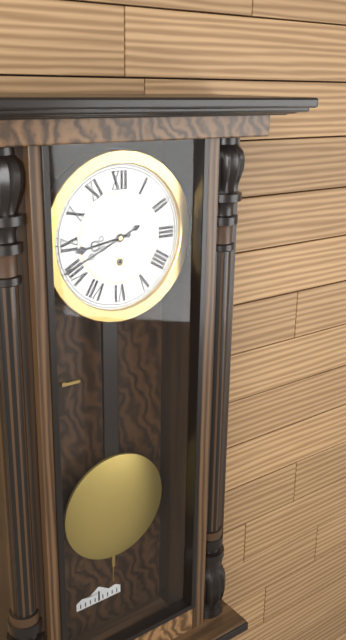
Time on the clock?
8:41
